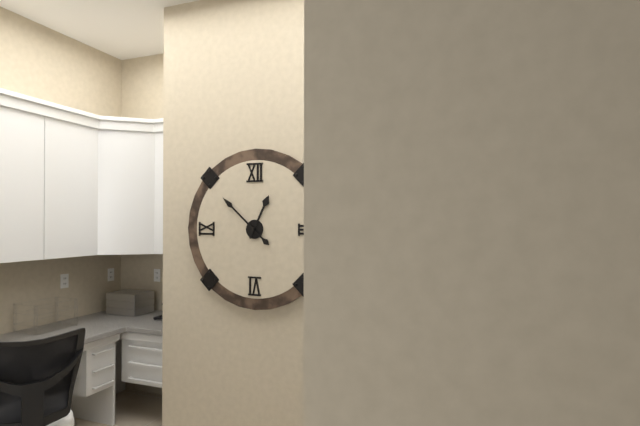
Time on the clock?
12:52
